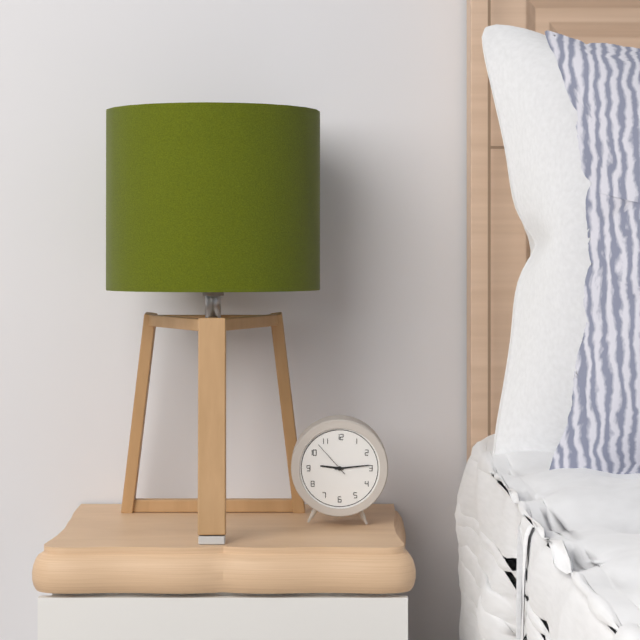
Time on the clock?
9:14
